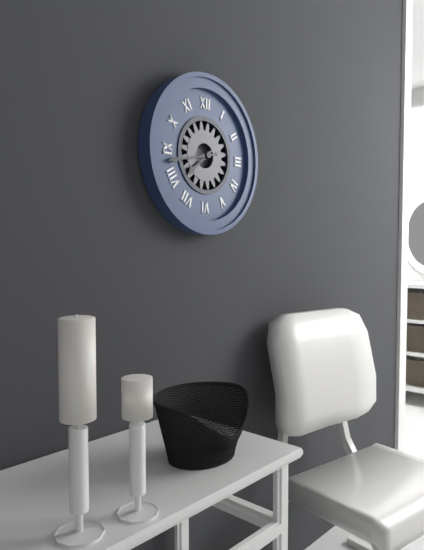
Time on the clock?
7:43
